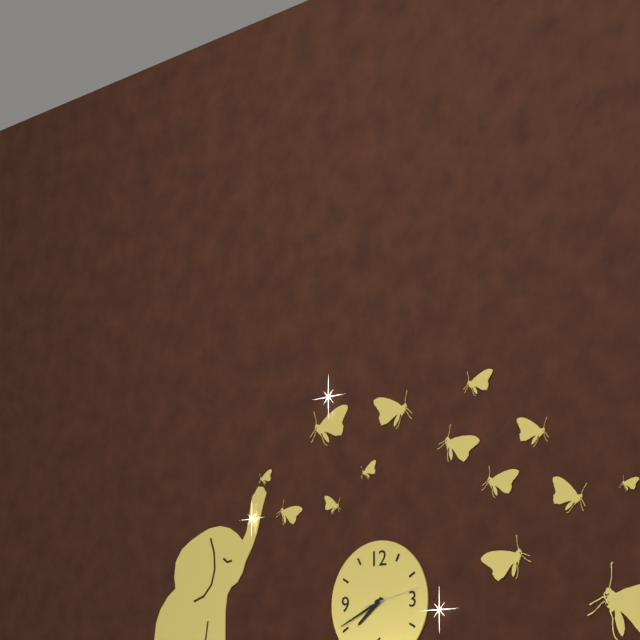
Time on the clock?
7:41:13
